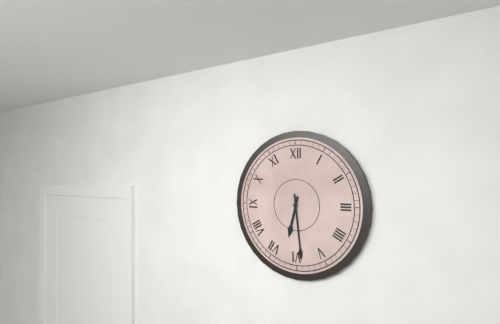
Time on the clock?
6:29
